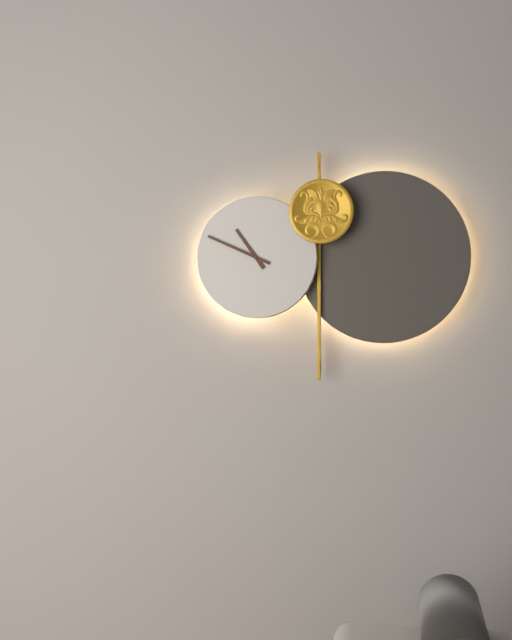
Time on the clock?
10:49
